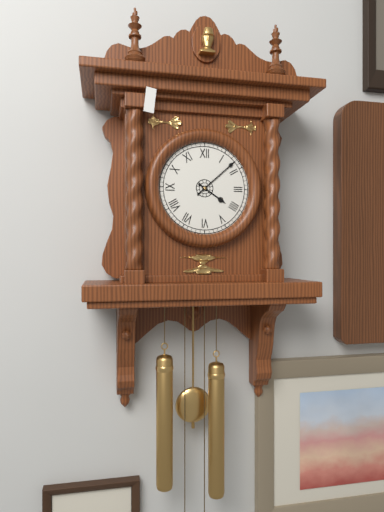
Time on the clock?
4:08
